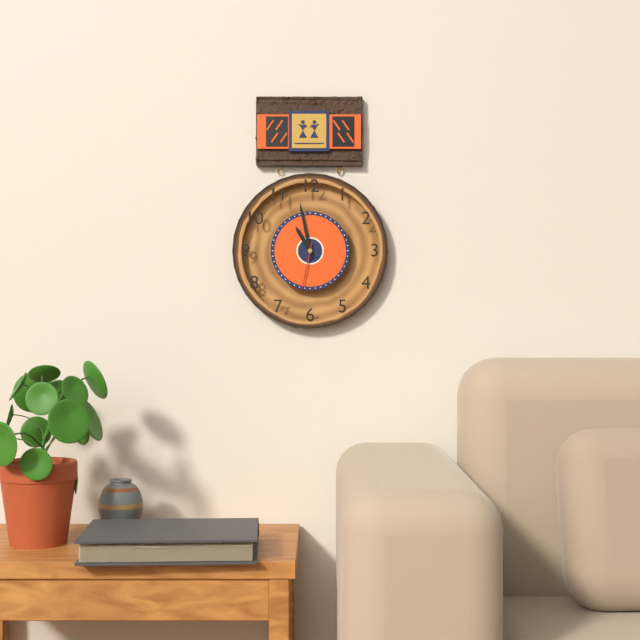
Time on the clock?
10:58
